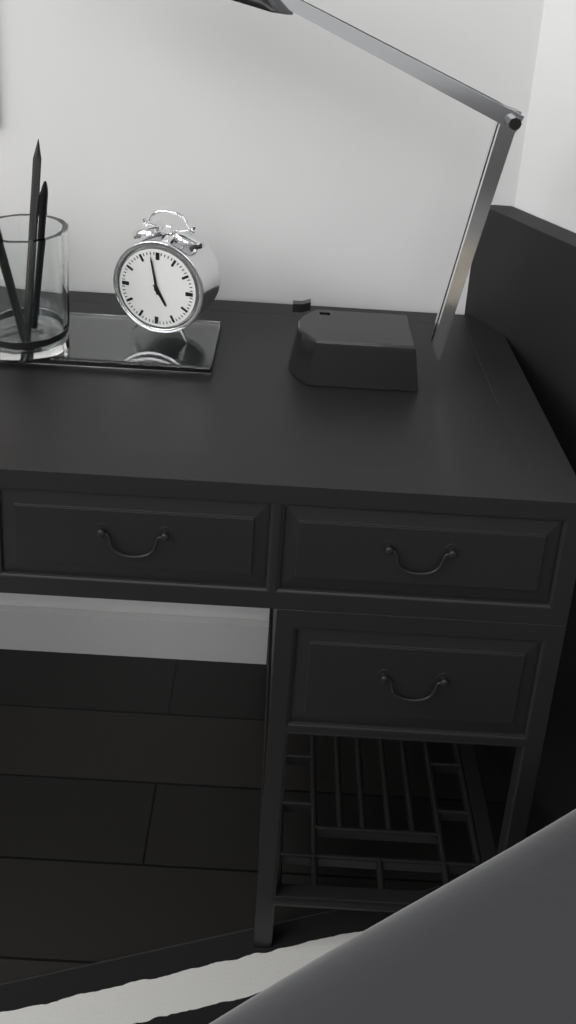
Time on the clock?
4:58
